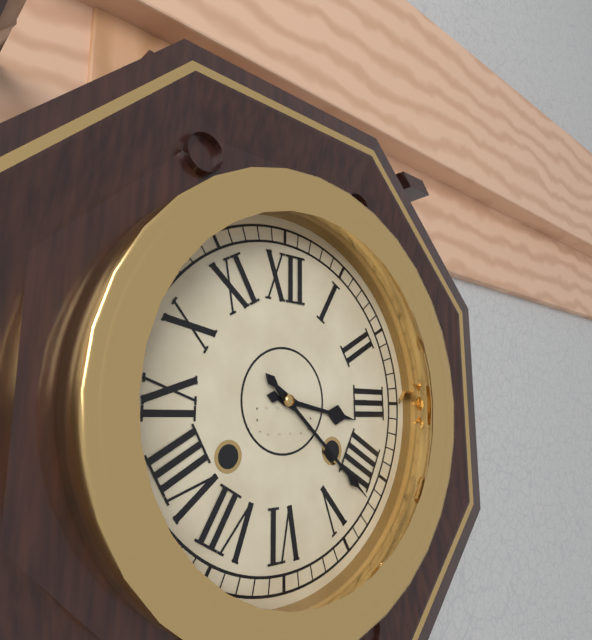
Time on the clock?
3:22
